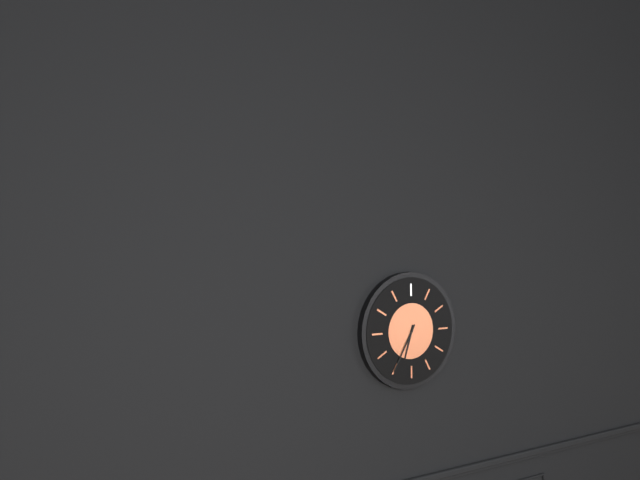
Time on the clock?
6:35
